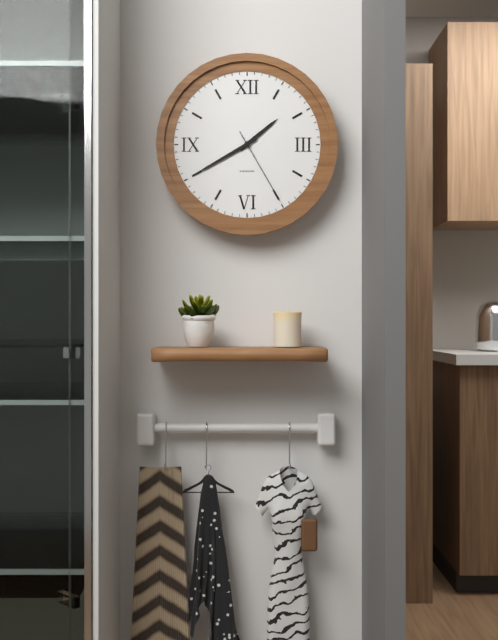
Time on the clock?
1:40:25
